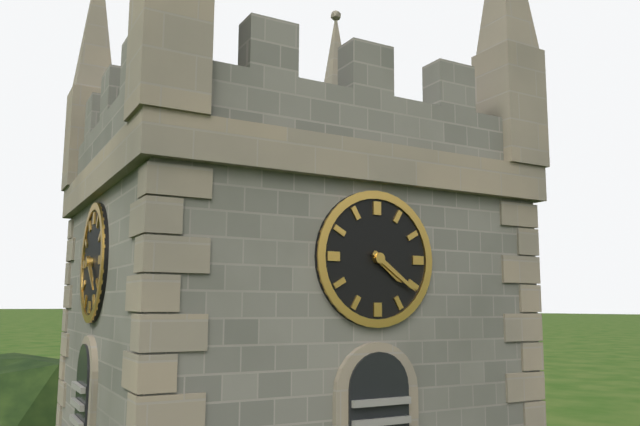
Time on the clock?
4:21
